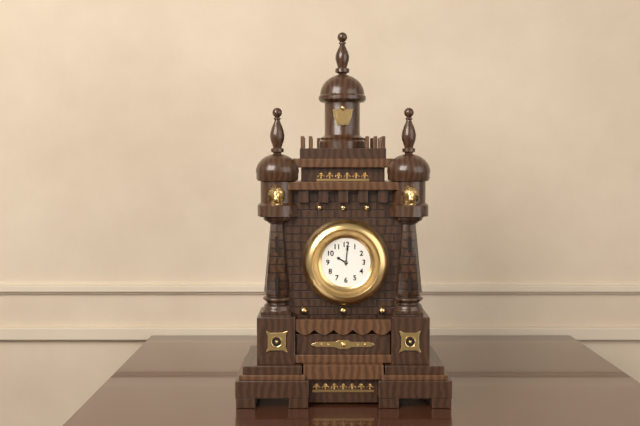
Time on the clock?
10:01
